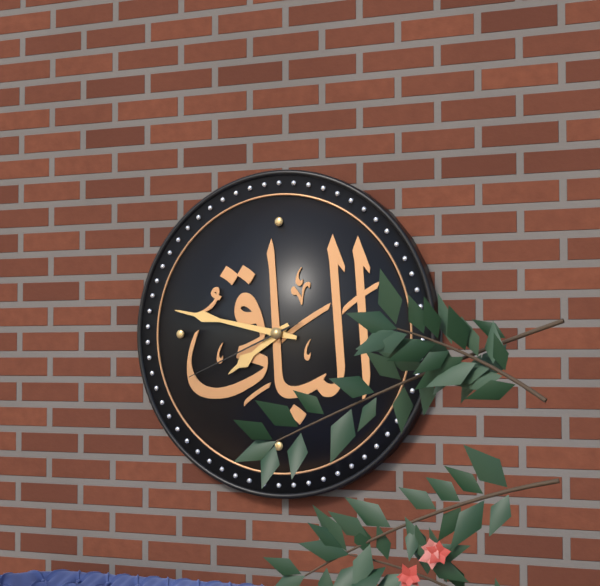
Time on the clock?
7:47:41
